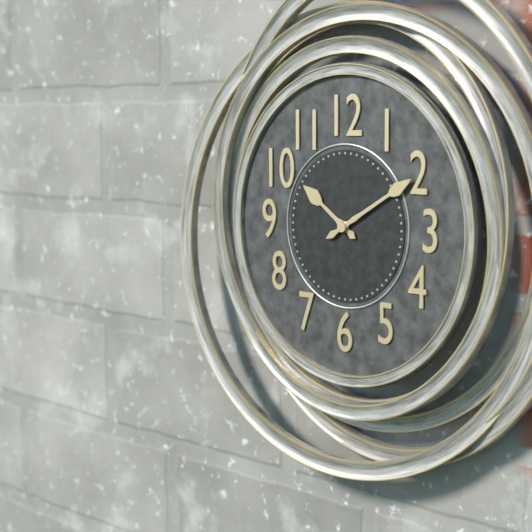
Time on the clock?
10:10
